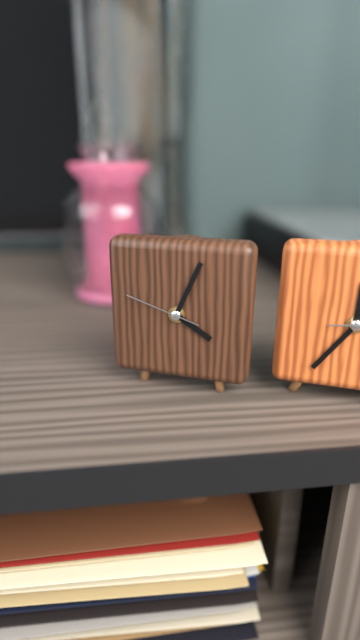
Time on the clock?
4:04:48
